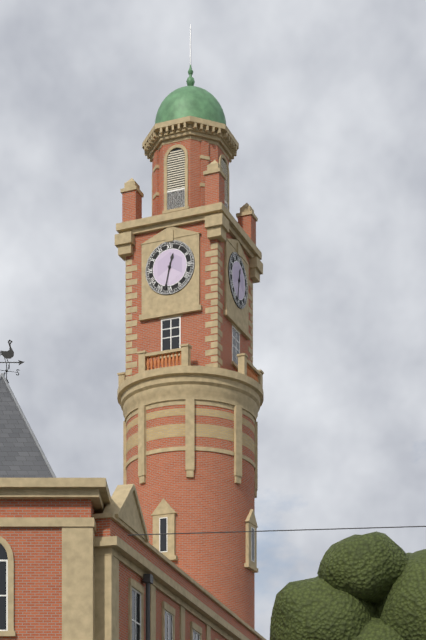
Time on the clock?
12:32
